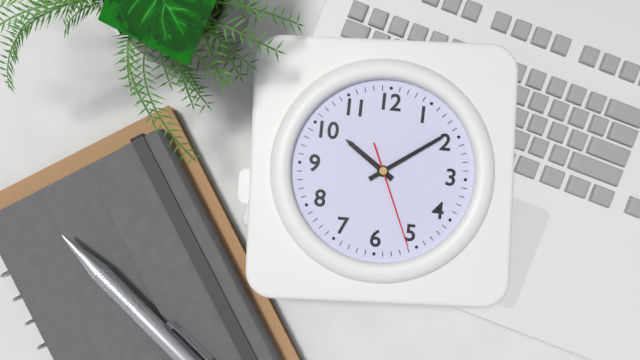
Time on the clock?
10:09:26
